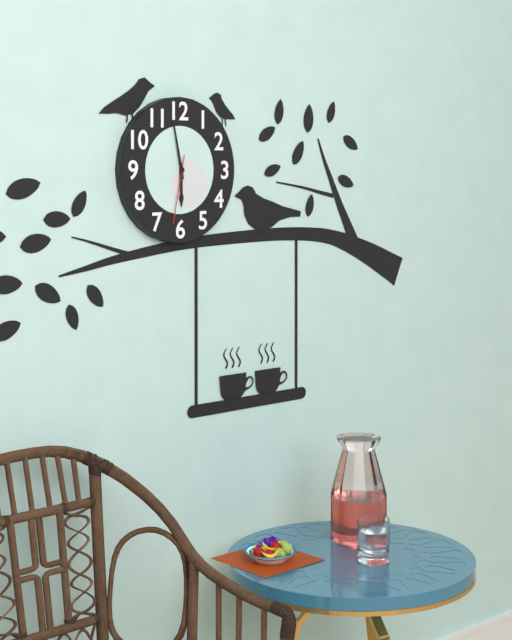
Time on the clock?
5:58:32
